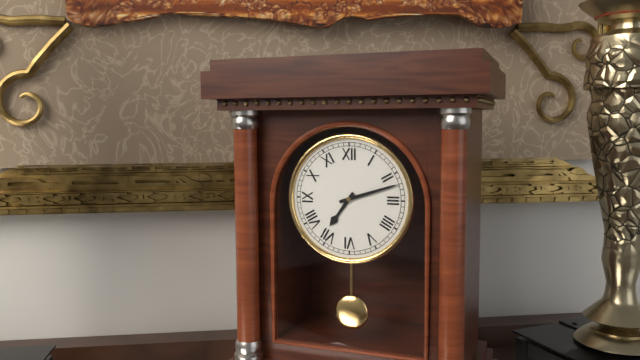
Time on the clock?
7:12
